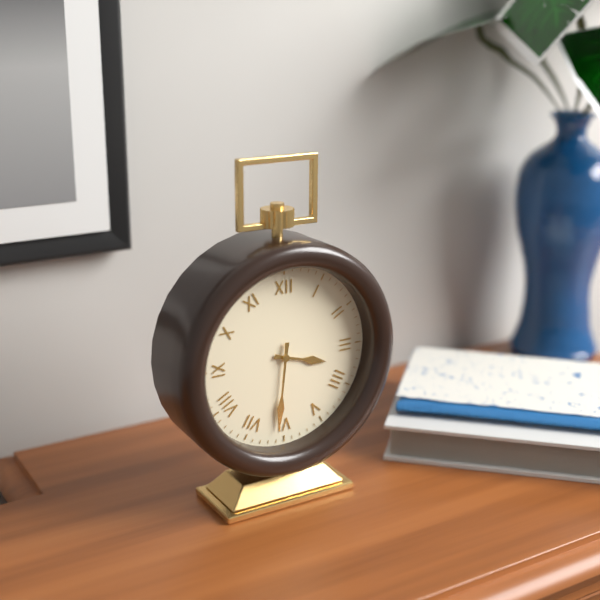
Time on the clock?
3:31
